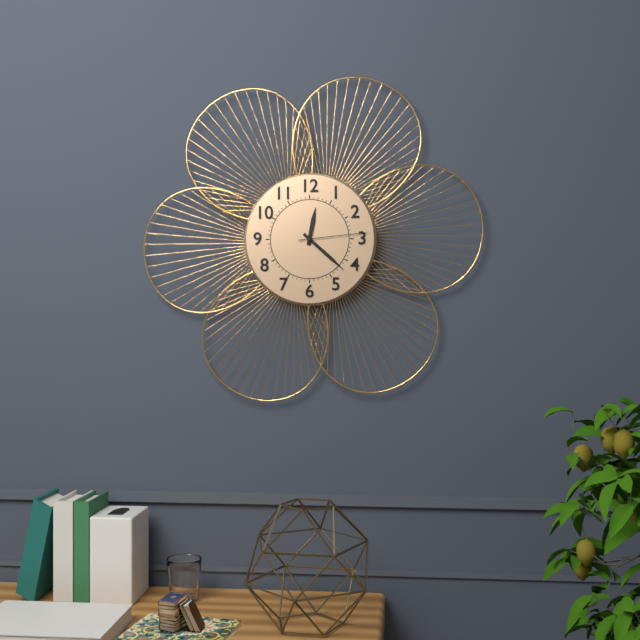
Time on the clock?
12:22:14
